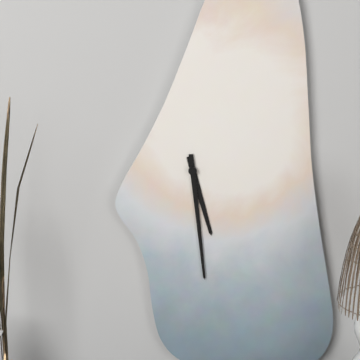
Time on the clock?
5:29
